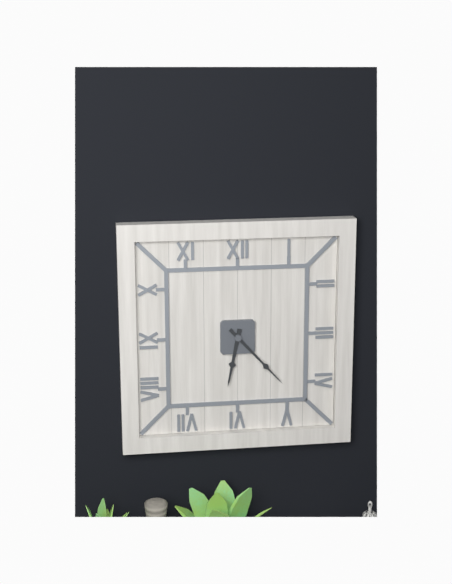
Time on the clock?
6:23
